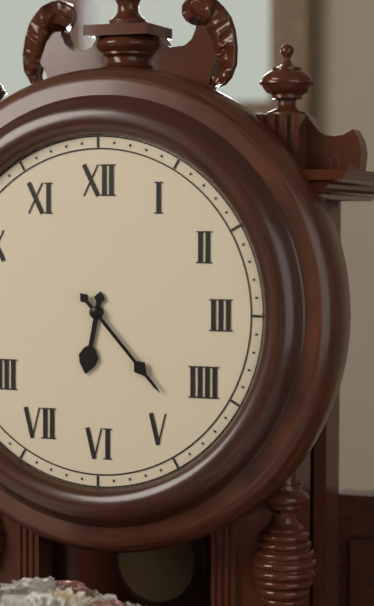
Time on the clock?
6:23
